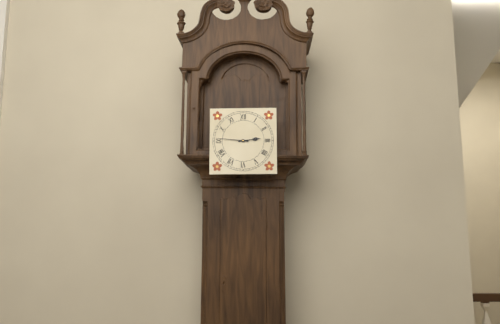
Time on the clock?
2:46
